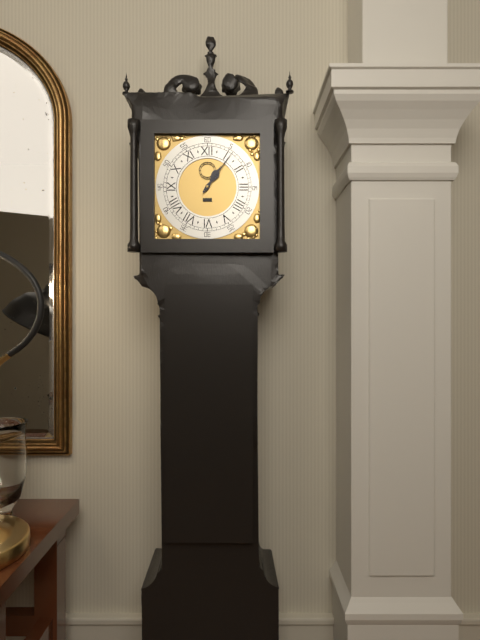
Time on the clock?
1:06
